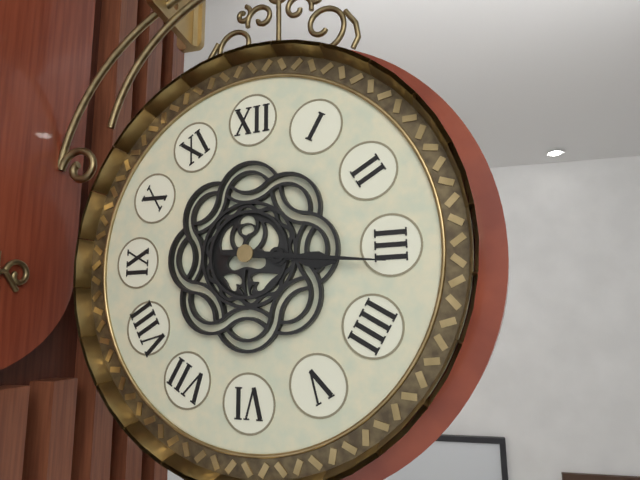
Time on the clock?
3:16
